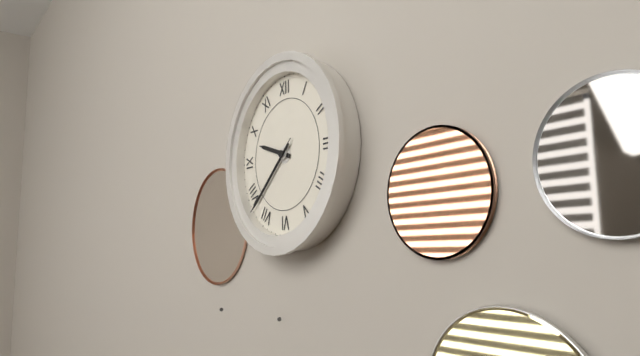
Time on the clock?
9:38:38
